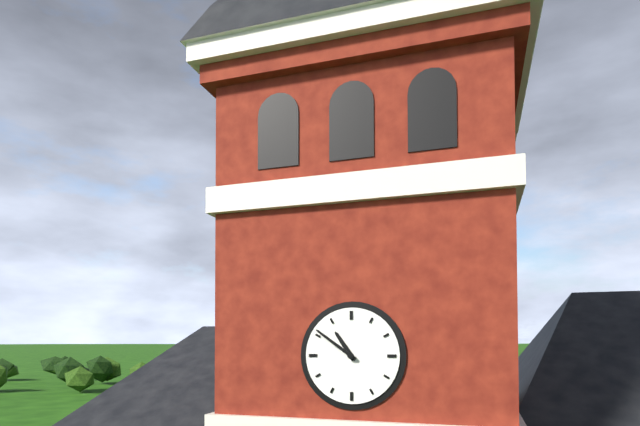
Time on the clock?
10:51
